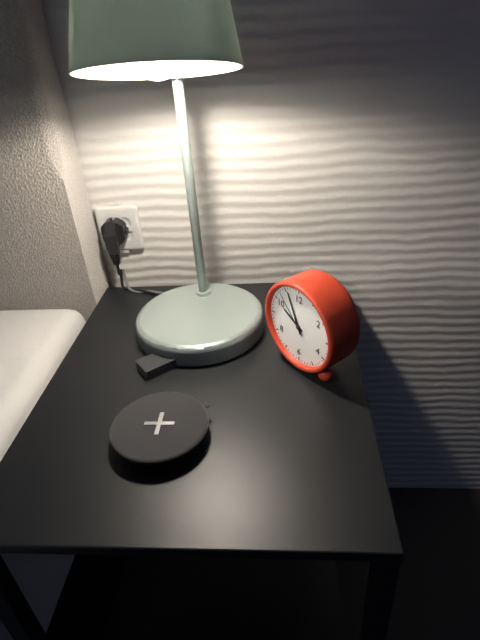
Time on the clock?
9:56
